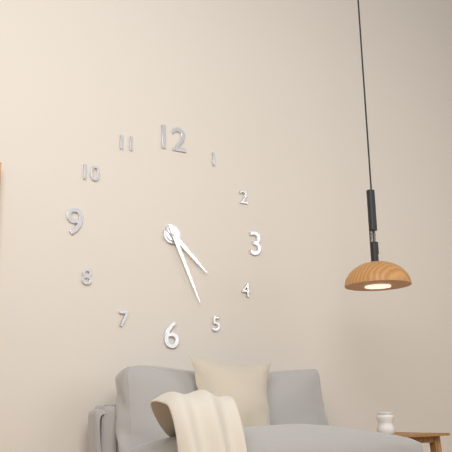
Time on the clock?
4:26
